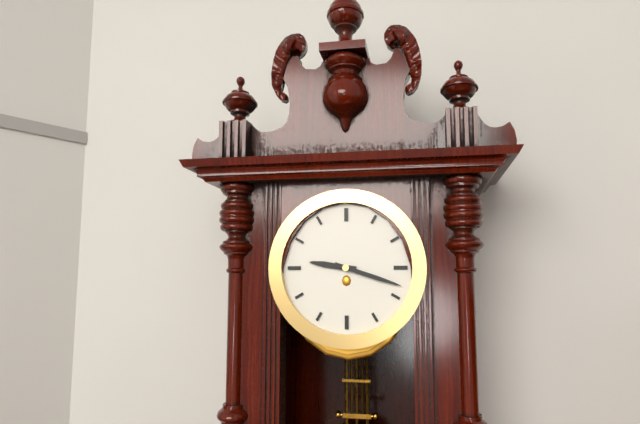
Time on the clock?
9:18
